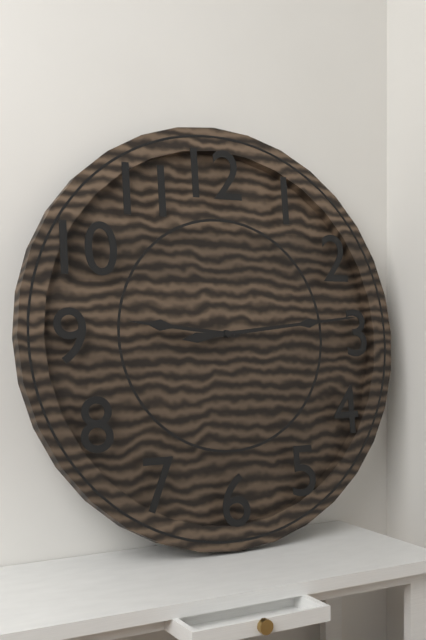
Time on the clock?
9:14
